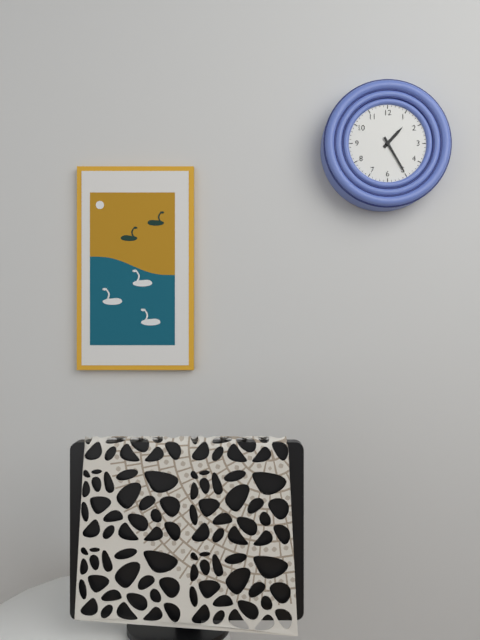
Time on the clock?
1:25
